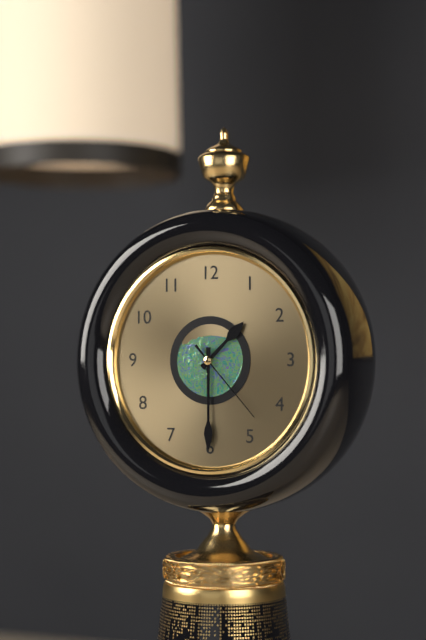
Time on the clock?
1:30:23
